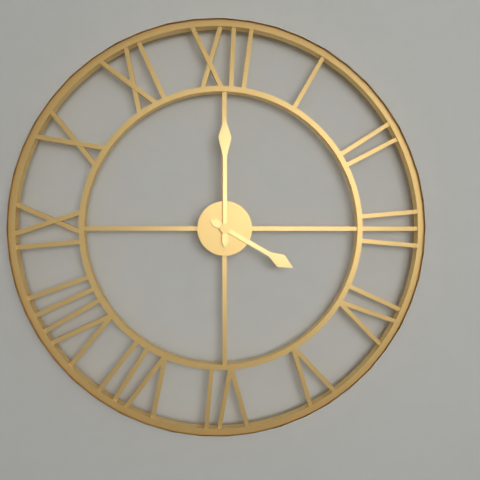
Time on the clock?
4:00
